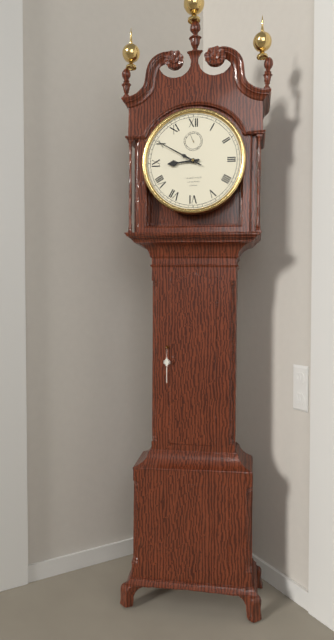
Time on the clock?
8:50
